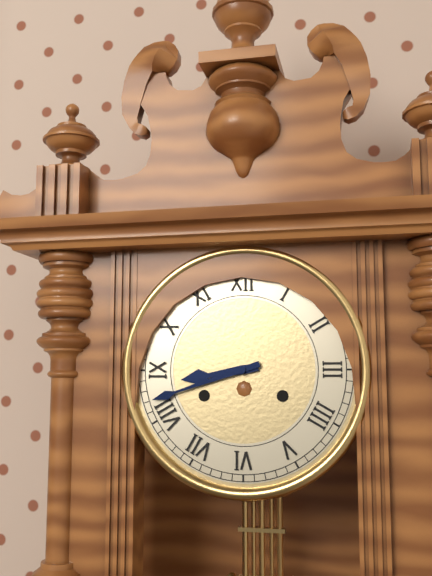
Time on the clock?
8:42
